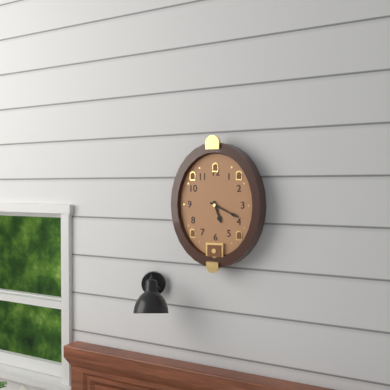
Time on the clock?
5:19
